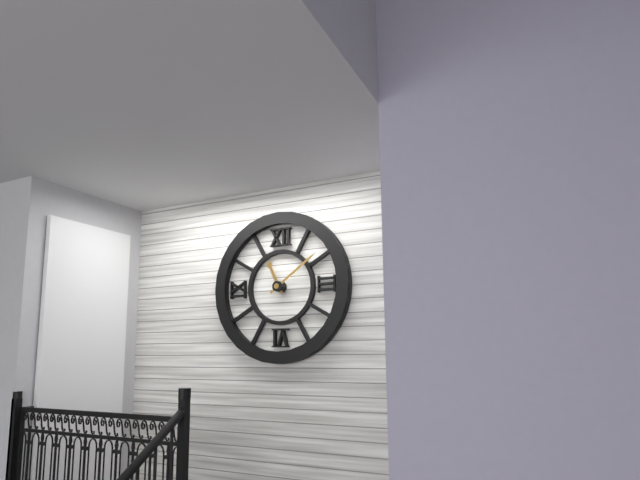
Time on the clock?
11:09
